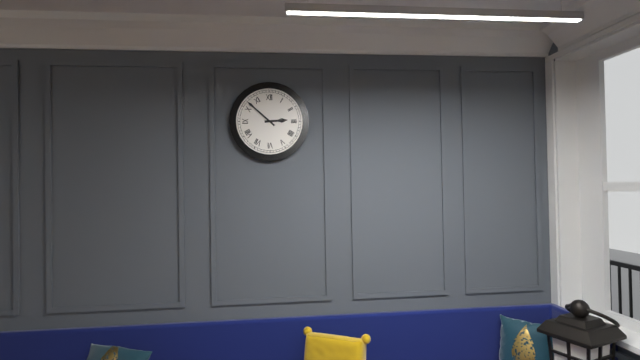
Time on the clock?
2:52
